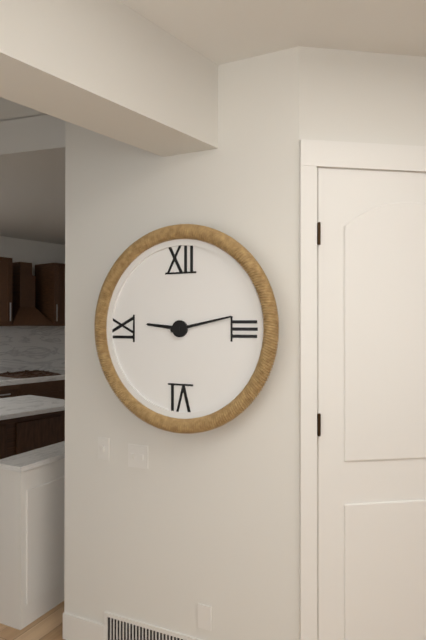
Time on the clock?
9:13
